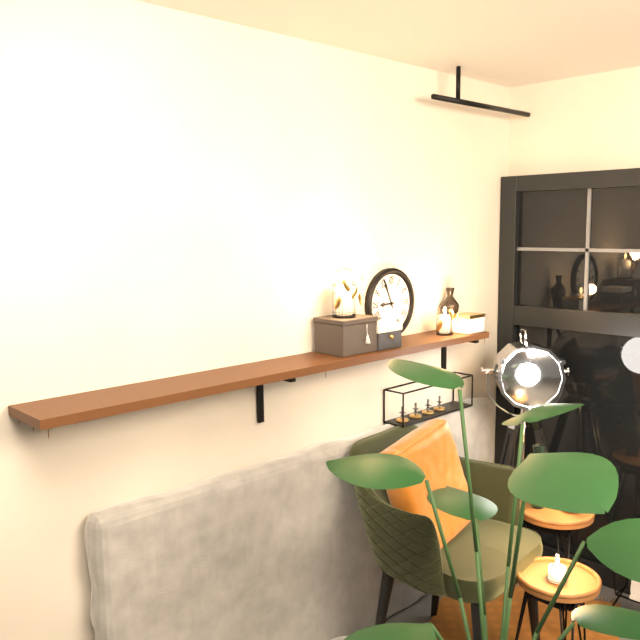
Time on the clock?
8:56
